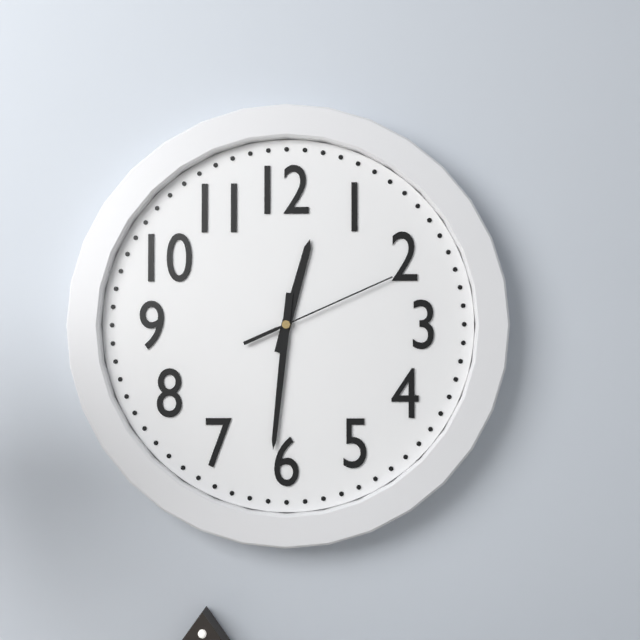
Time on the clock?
12:31:11
